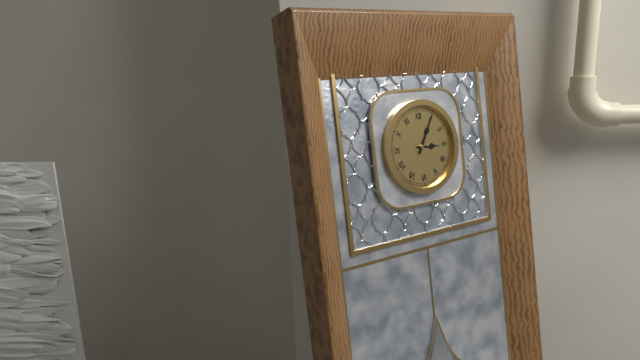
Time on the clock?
3:05
